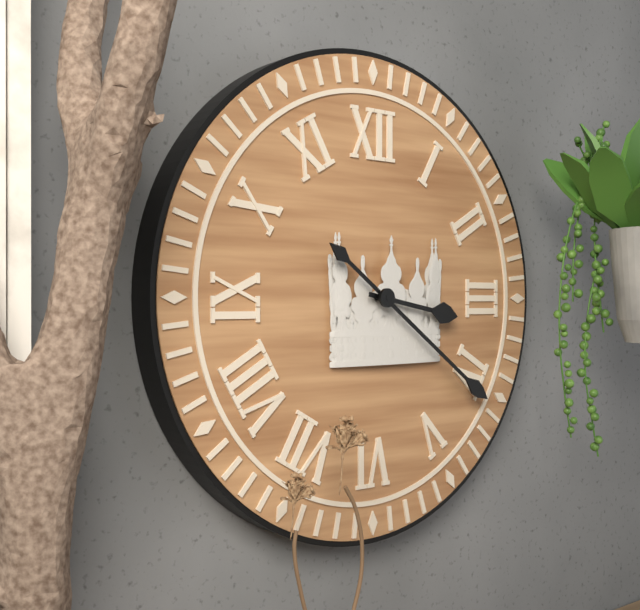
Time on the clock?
3:21
